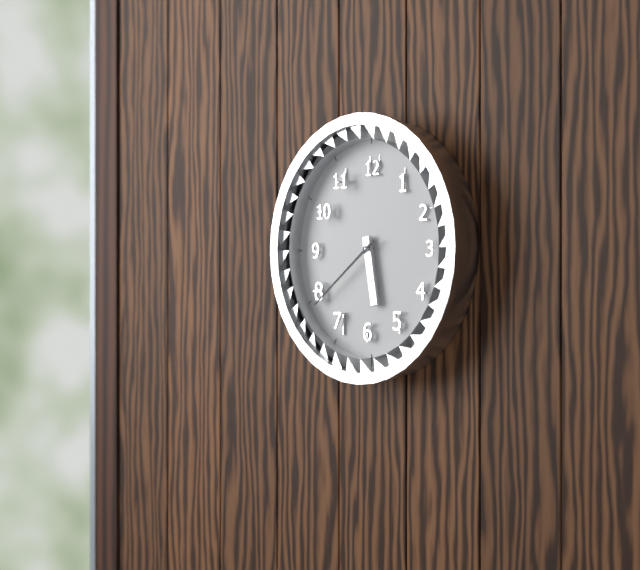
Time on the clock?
5:39
